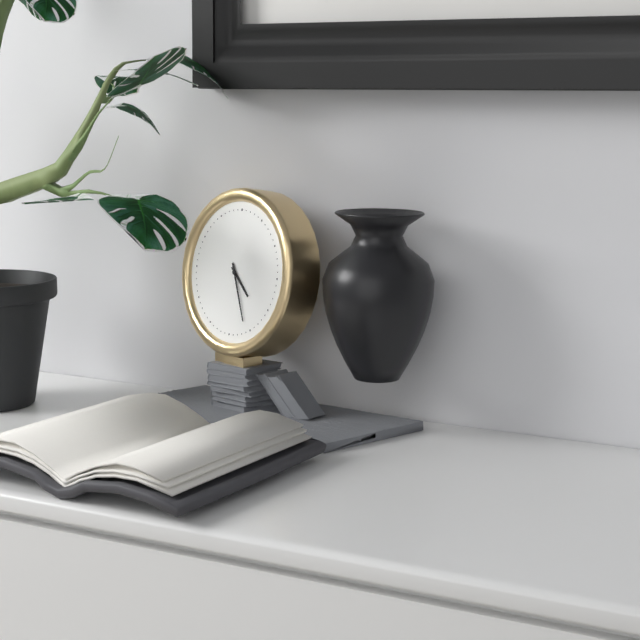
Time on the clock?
4:26
